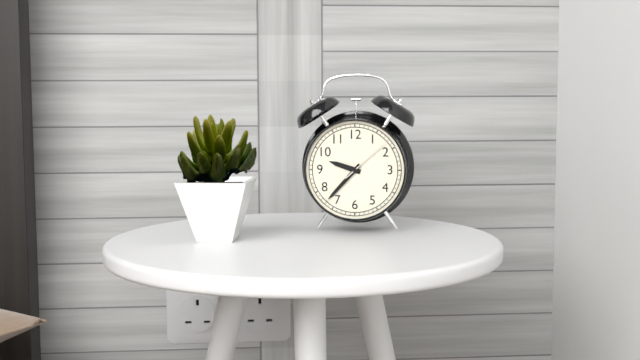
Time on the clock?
9:37:08
